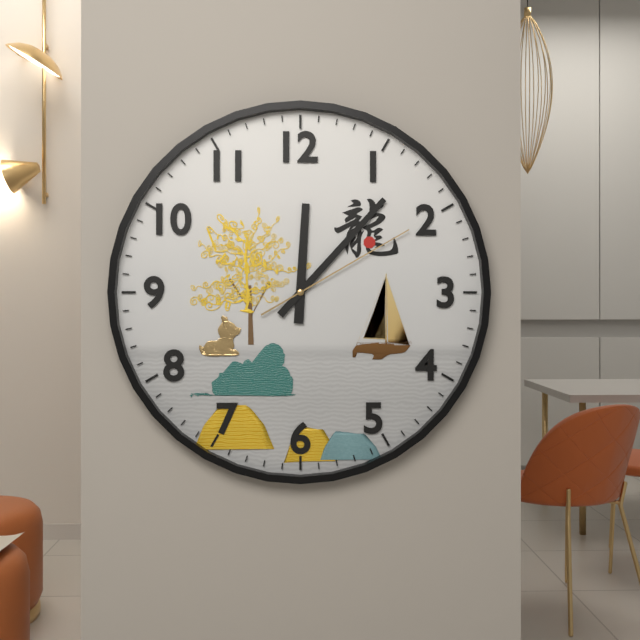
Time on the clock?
12:07:10
